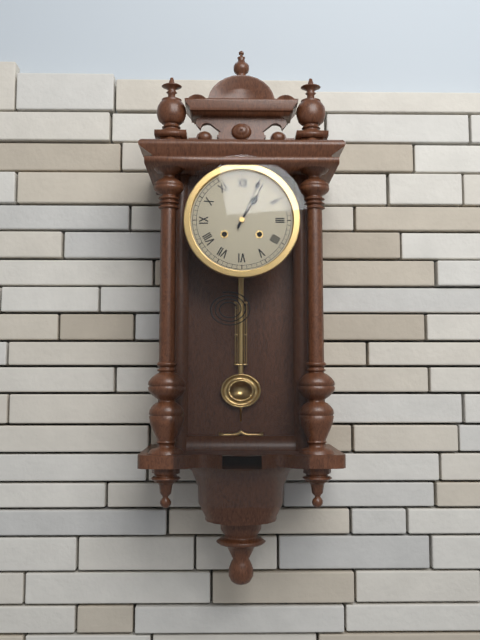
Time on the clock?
1:04
